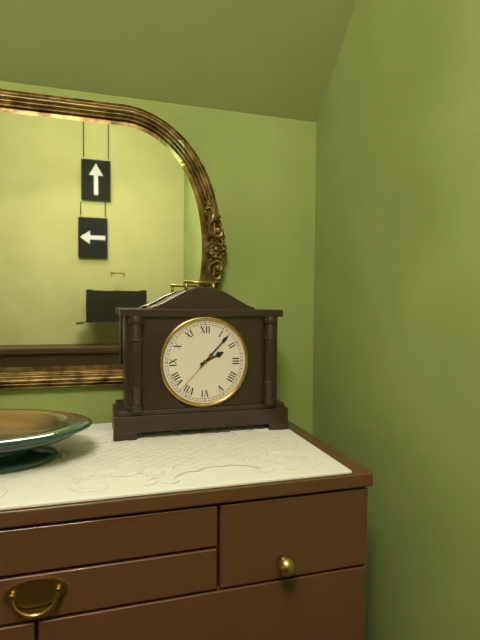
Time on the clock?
2:07
